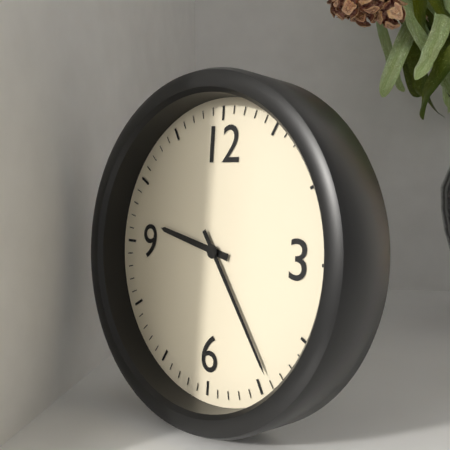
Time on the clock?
9:24
